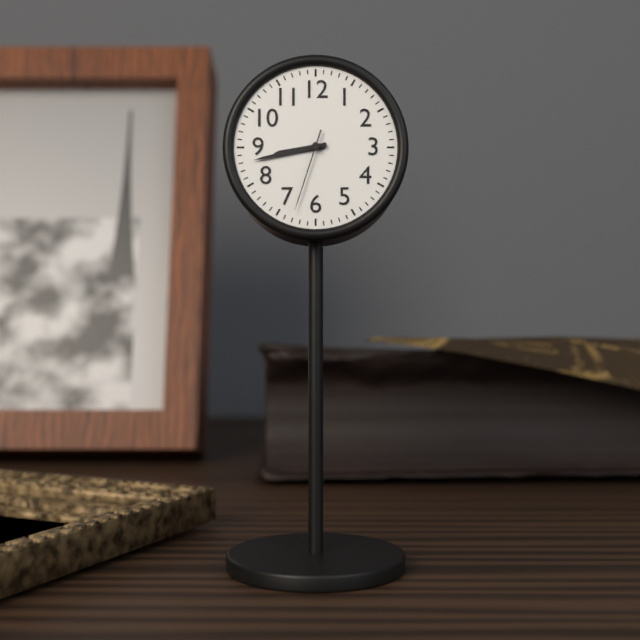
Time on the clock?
8:43:33
